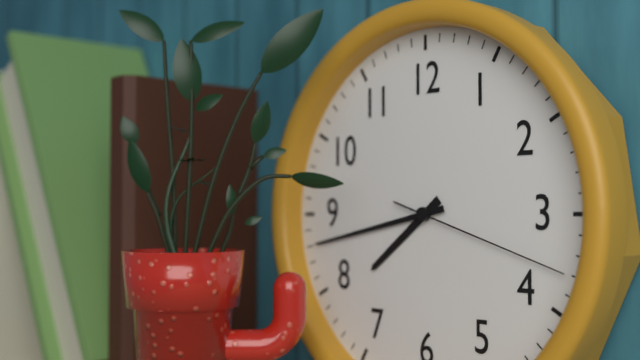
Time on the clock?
7:43:18
